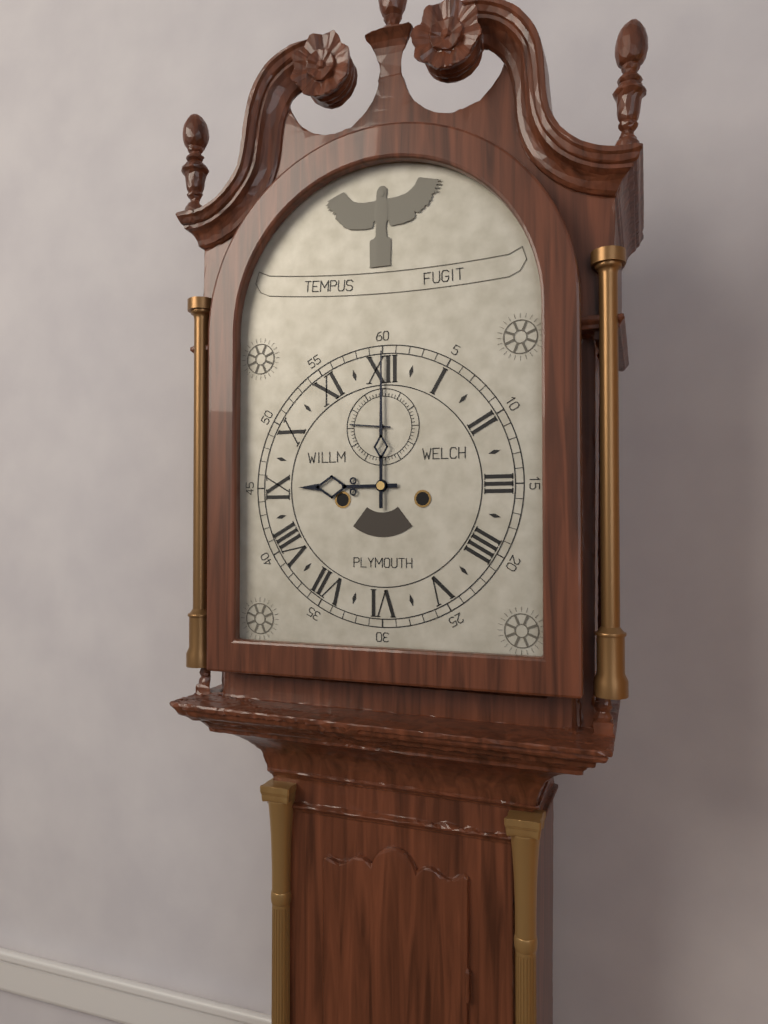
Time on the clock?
9:00
